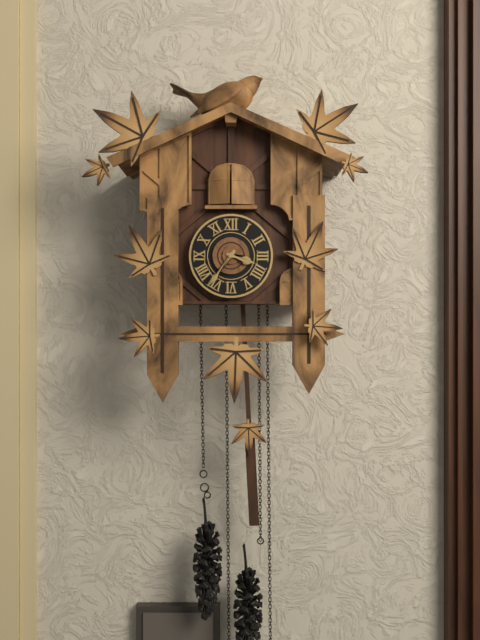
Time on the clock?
3:36
